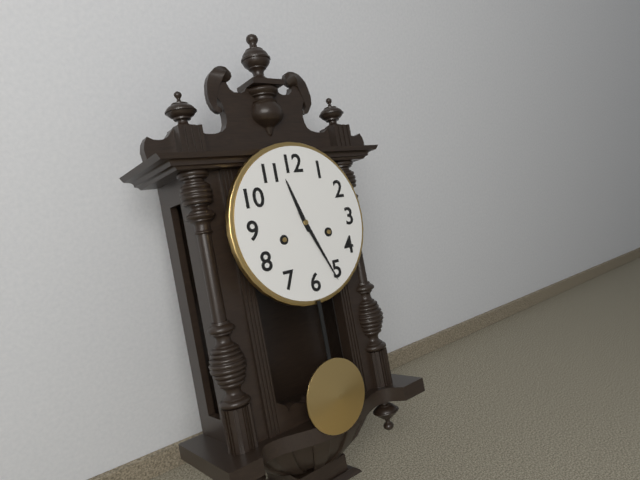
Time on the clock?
11:26
